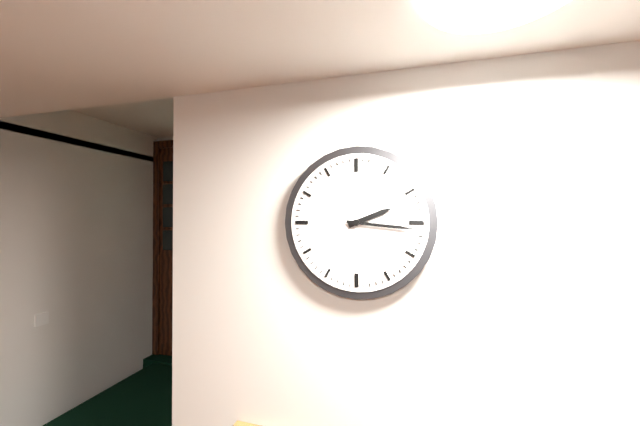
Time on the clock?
2:16
